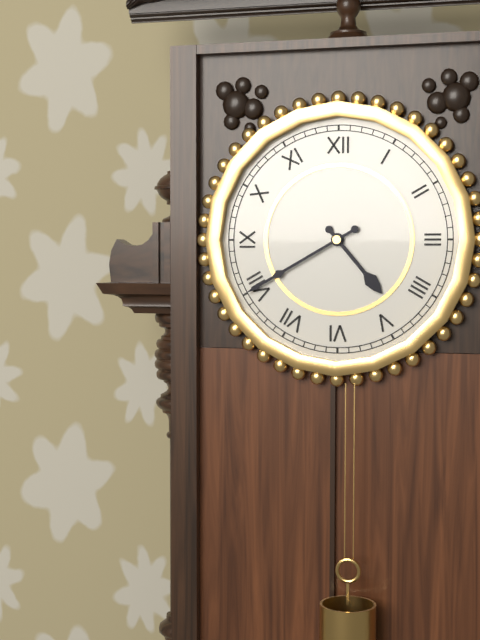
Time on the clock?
4:40
